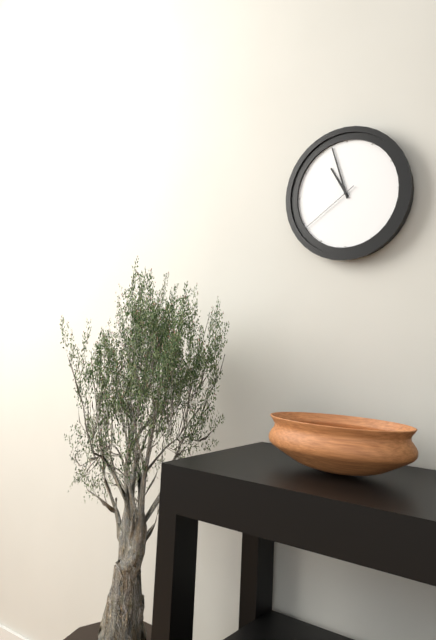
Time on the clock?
10:57:39
